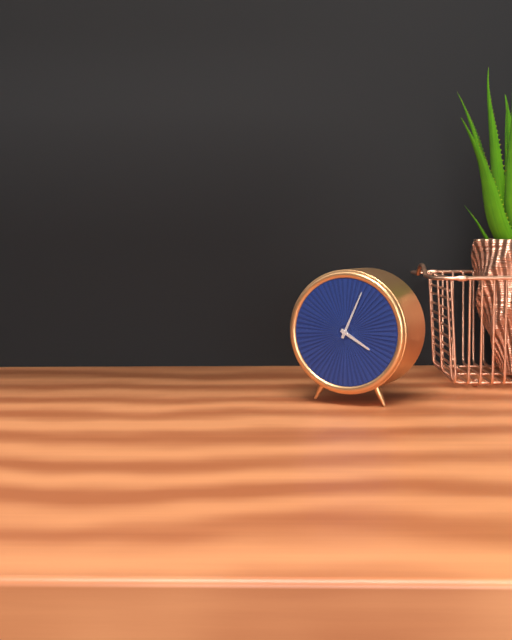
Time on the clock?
4:04
